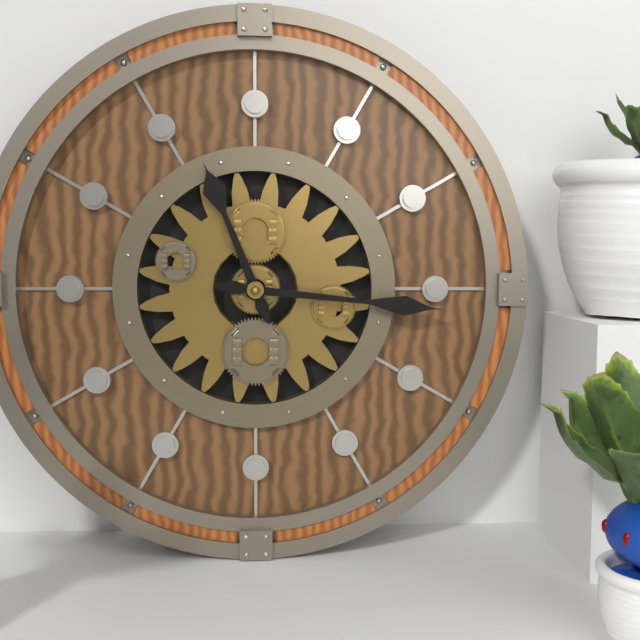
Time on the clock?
11:16
